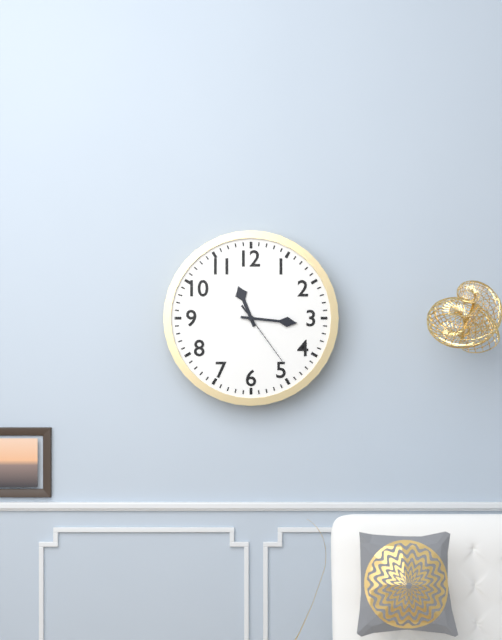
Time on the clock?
11:16:24
